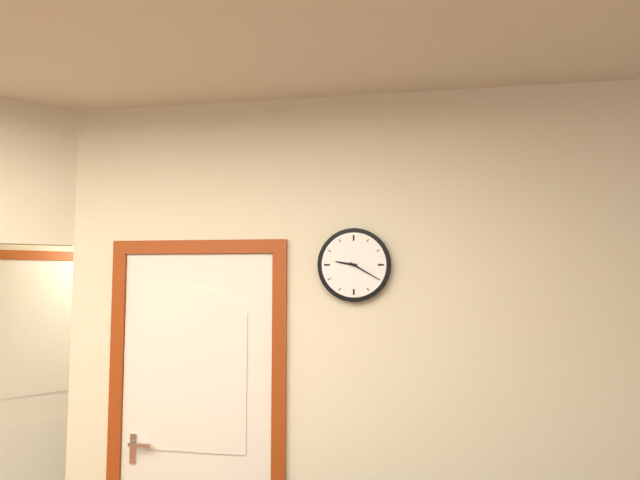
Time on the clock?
9:20
